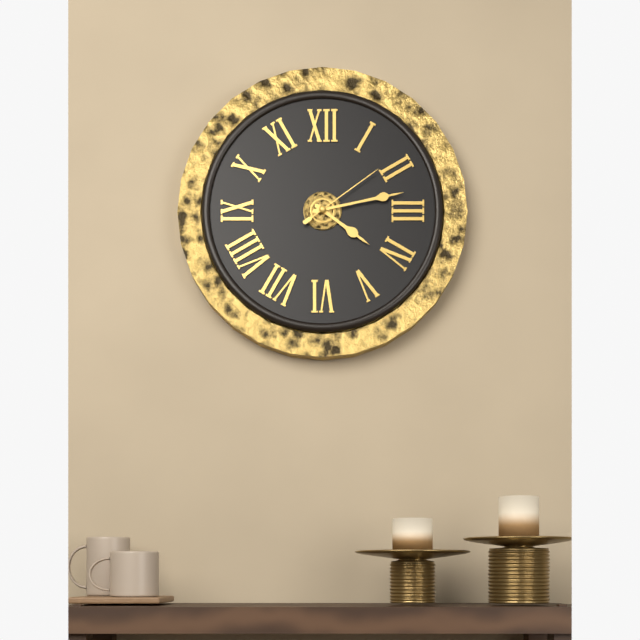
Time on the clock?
4:13:09
